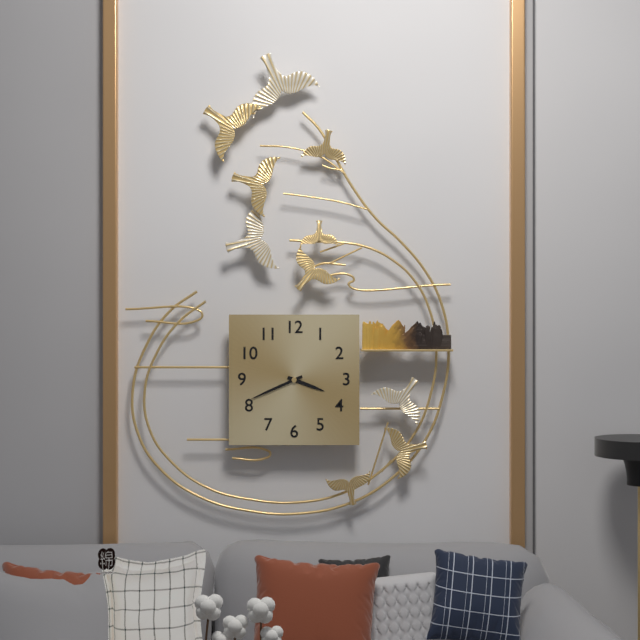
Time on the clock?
3:41
